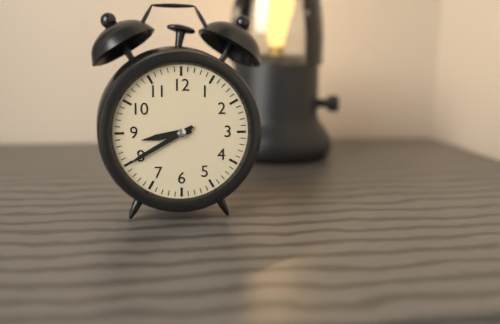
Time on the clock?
8:40
